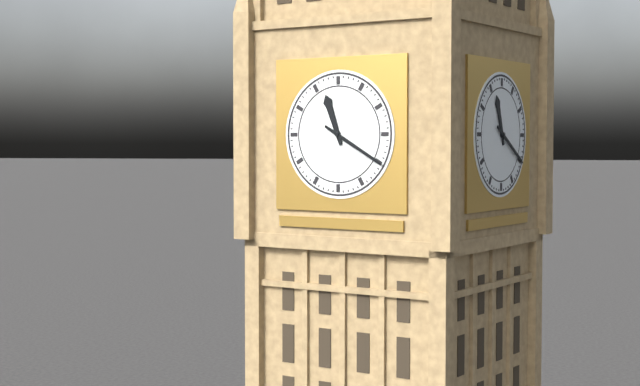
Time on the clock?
11:20
